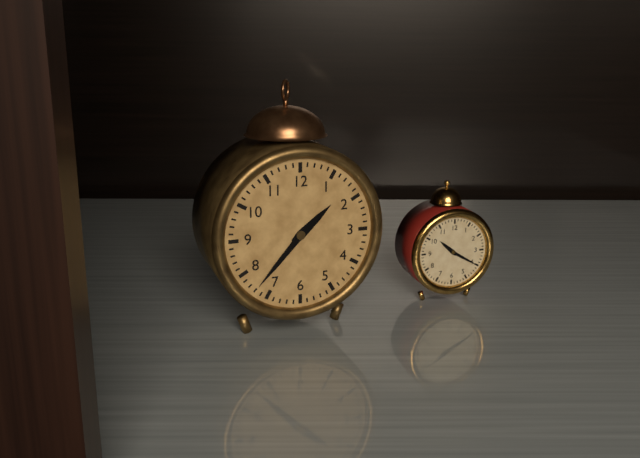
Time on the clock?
1:37
